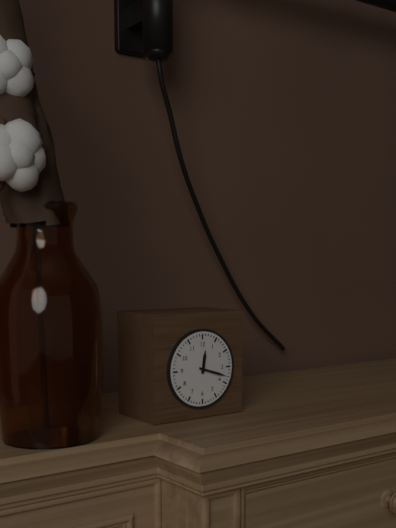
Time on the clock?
12:18
